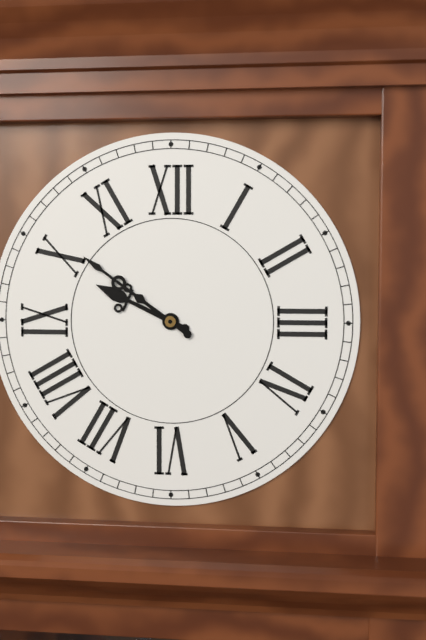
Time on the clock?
9:51
